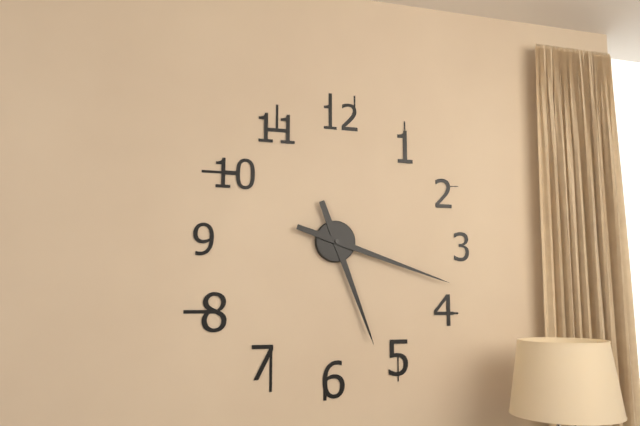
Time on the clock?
5:18
